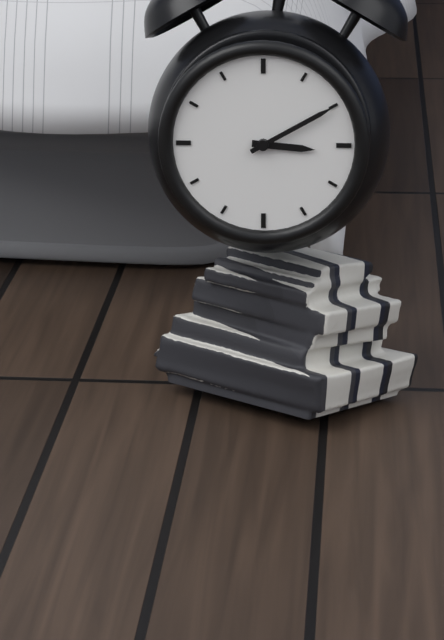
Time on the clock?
3:10
